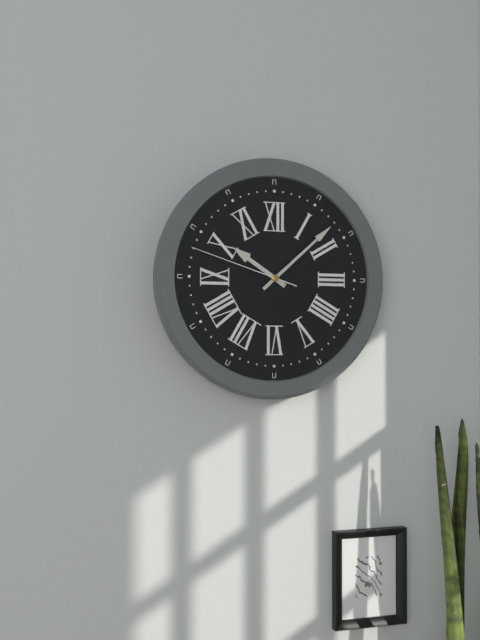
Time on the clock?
10:08:48
